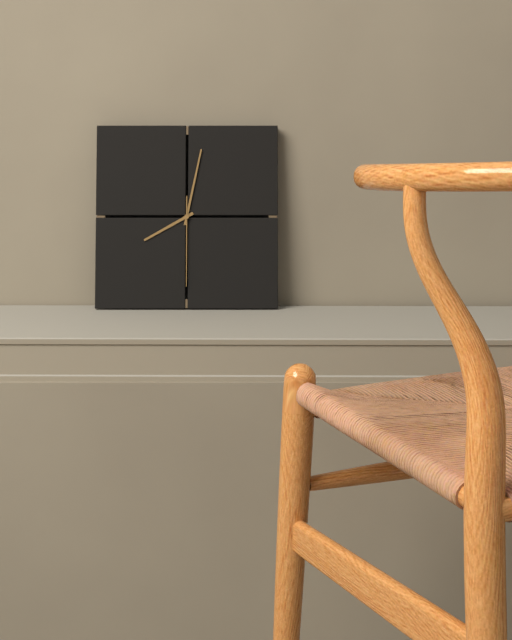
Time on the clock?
8:02:30
